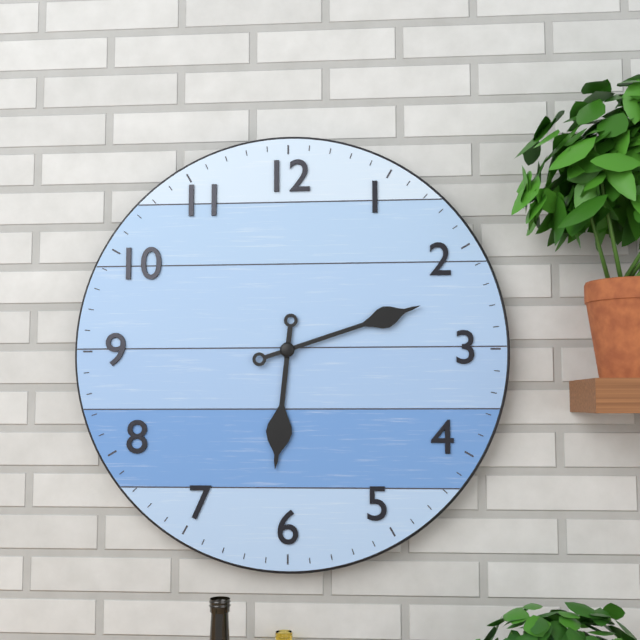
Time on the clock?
6:12
